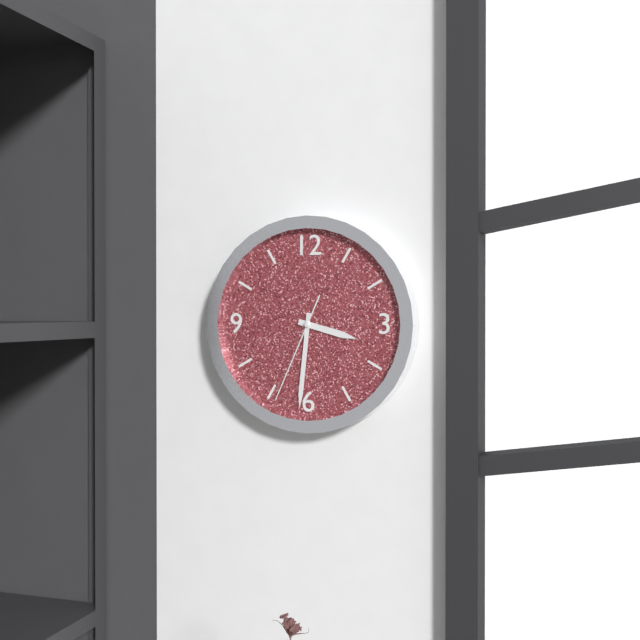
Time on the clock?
3:31:34
